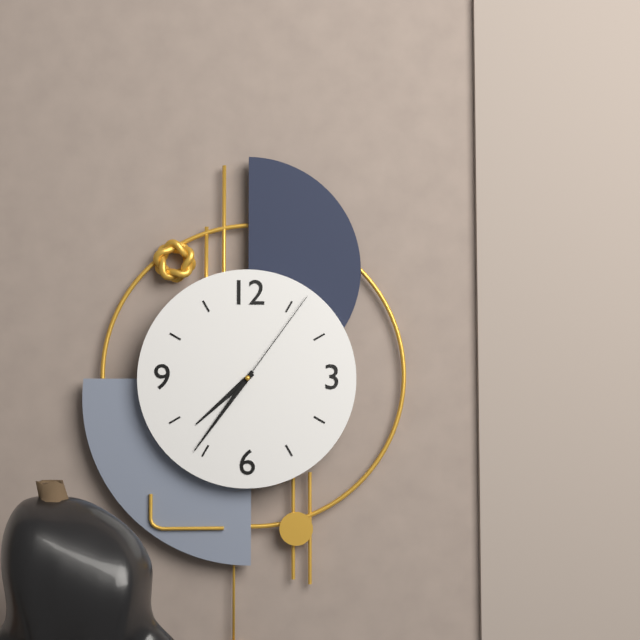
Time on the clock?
7:36:06
